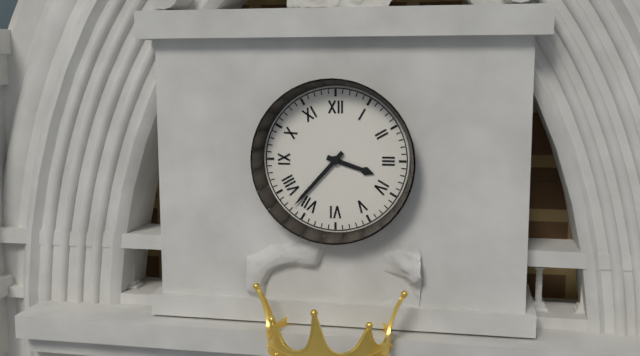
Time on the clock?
3:37
